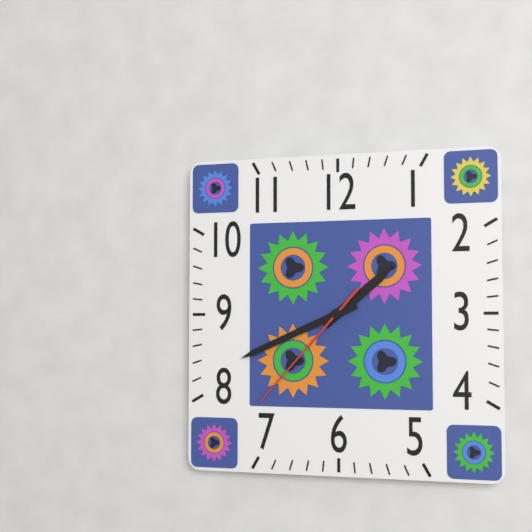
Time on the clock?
1:41:37
